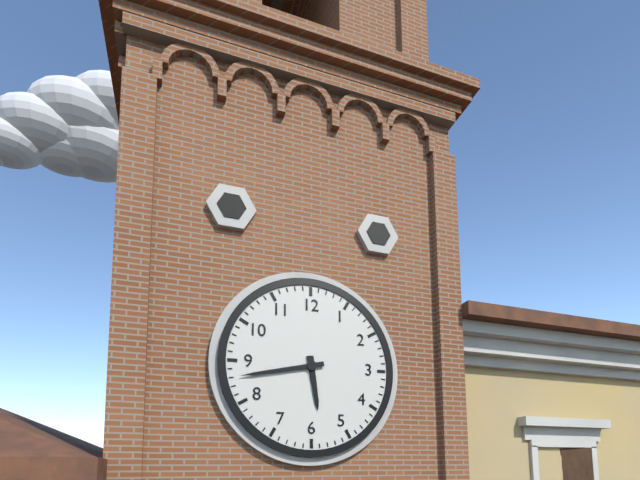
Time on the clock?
5:43
